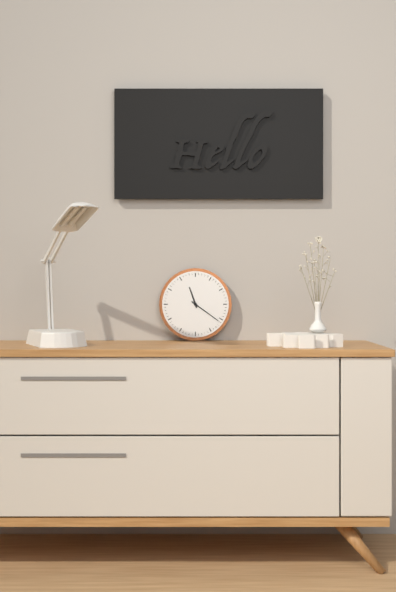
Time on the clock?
11:21
